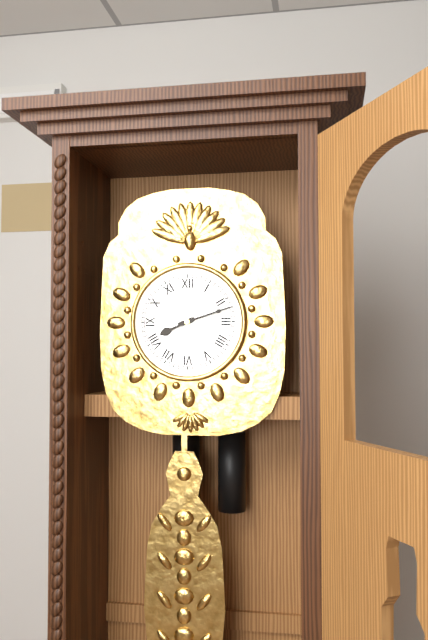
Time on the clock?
8:12
